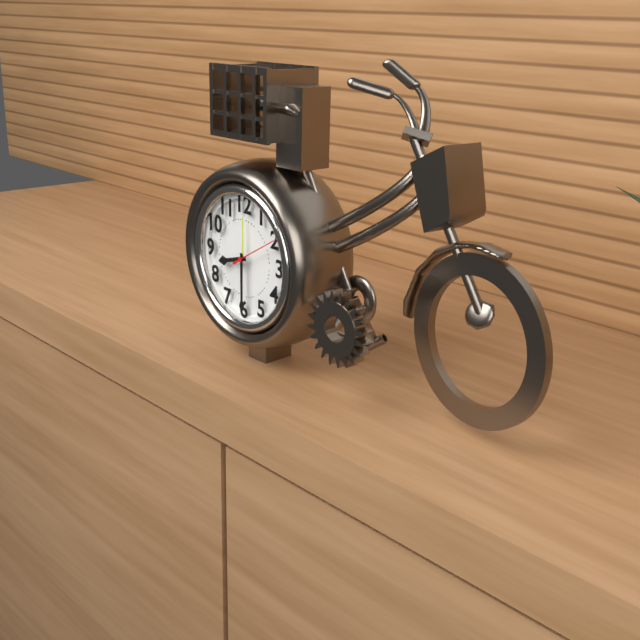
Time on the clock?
8:30
